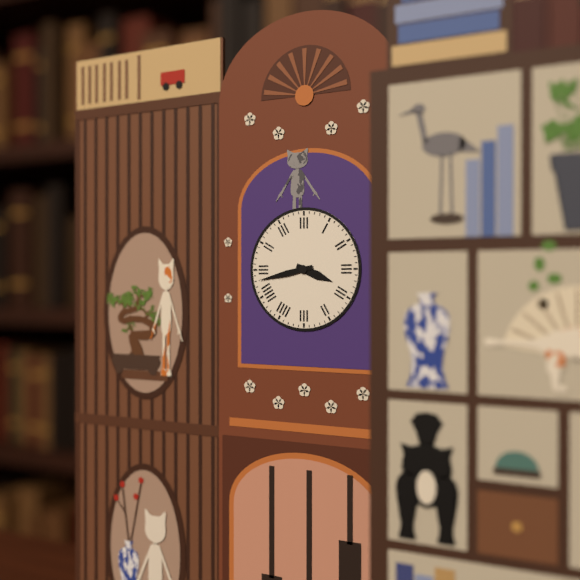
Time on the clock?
3:43
